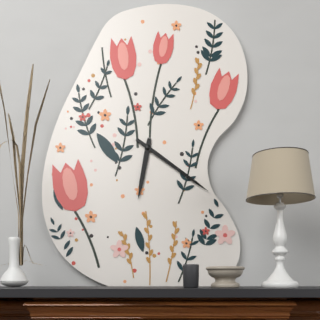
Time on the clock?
6:21
